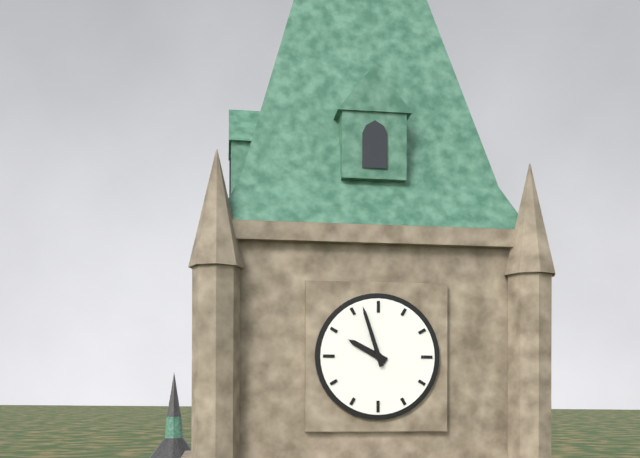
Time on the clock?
9:57
